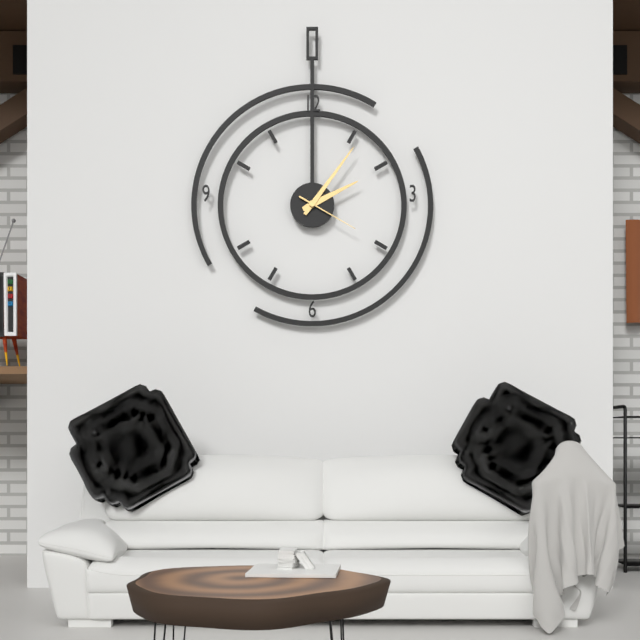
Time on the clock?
2:06:20
